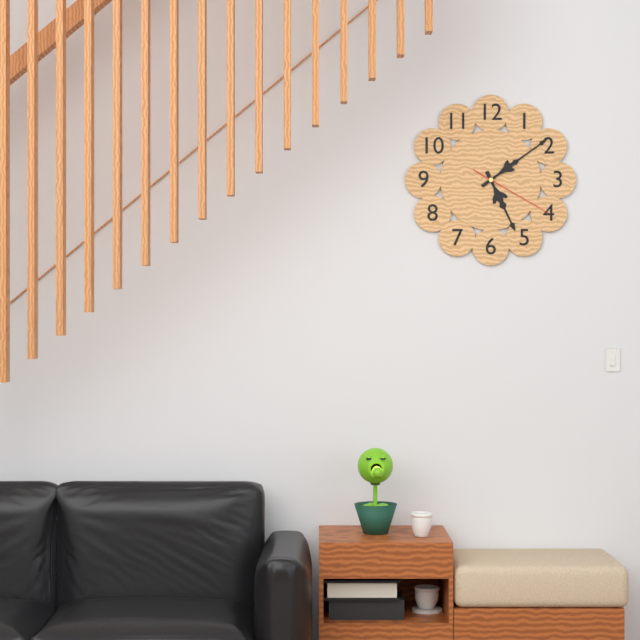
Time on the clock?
5:09:20
